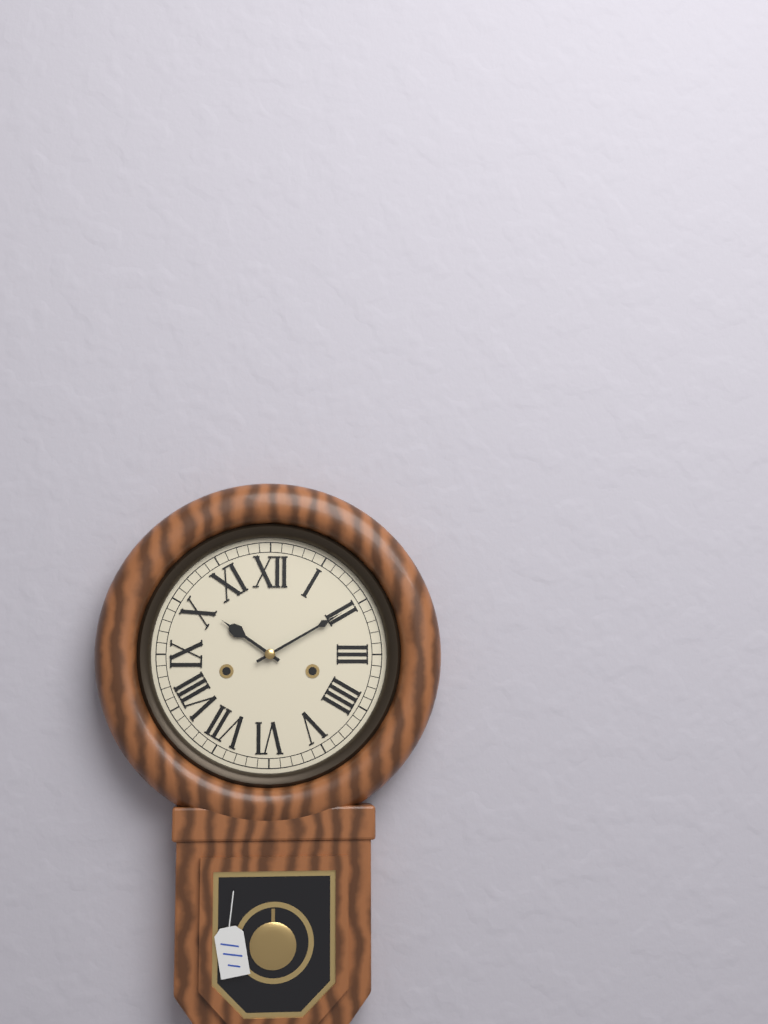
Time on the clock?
10:10
